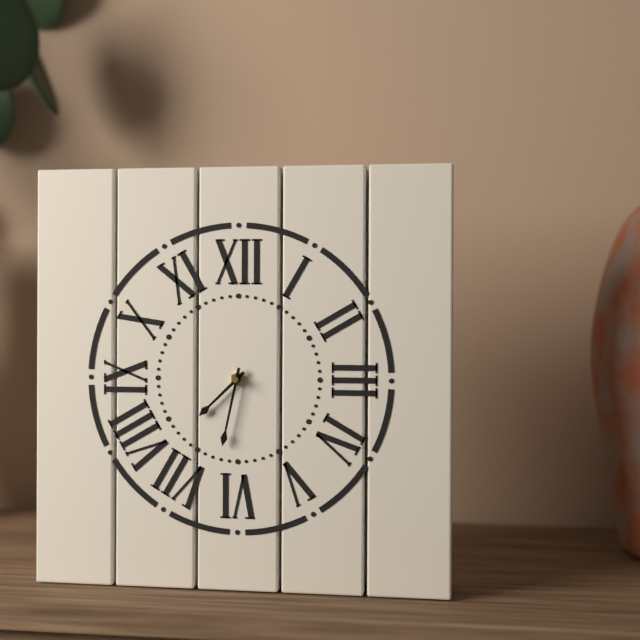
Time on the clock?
7:32
